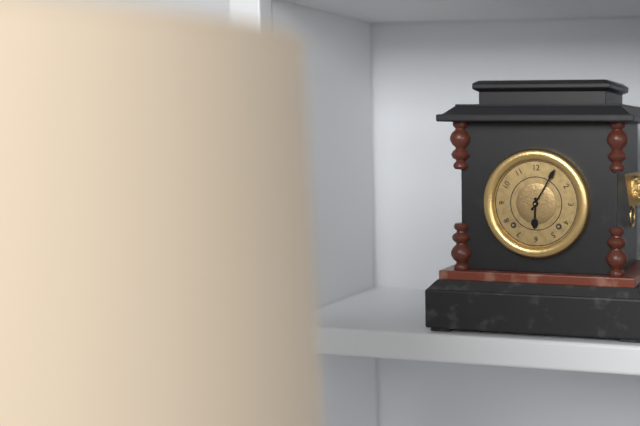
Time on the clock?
6:05
